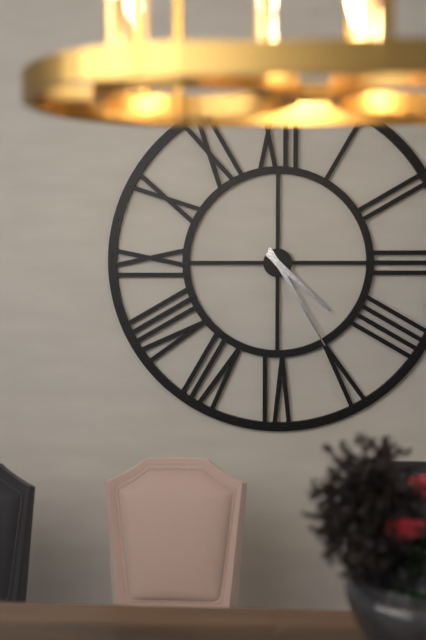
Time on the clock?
4:25
